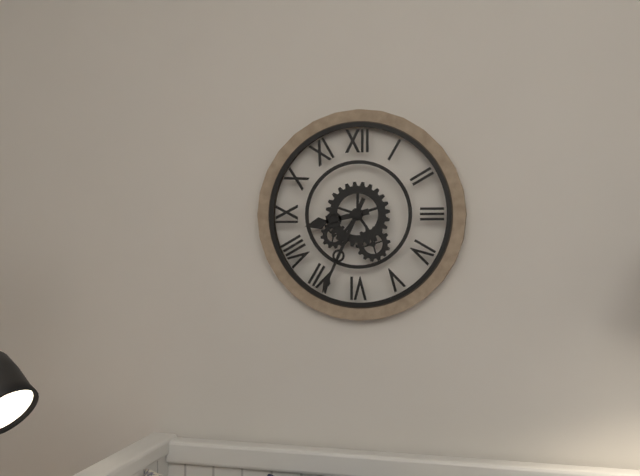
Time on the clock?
8:34
